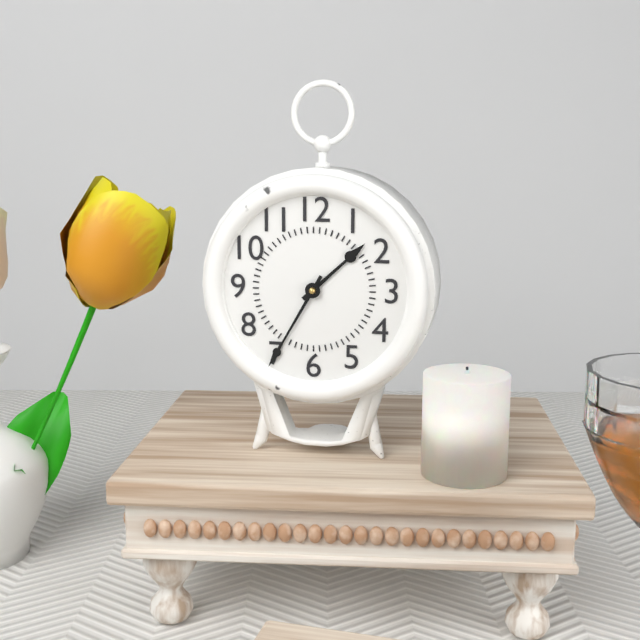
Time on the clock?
1:35
